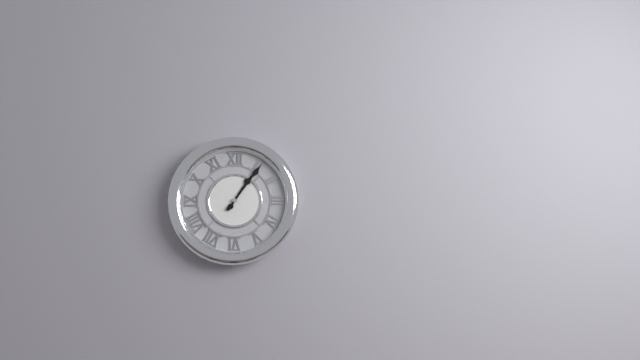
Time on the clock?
1:06
